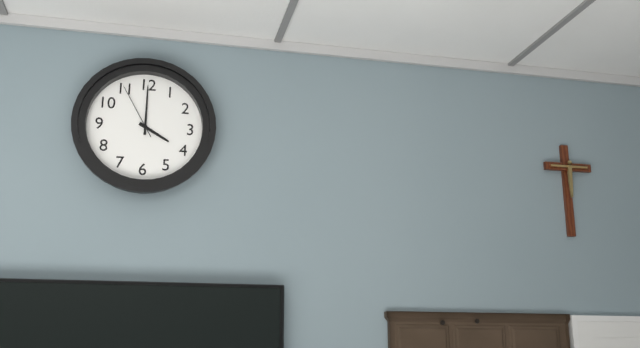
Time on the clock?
4:00:55
